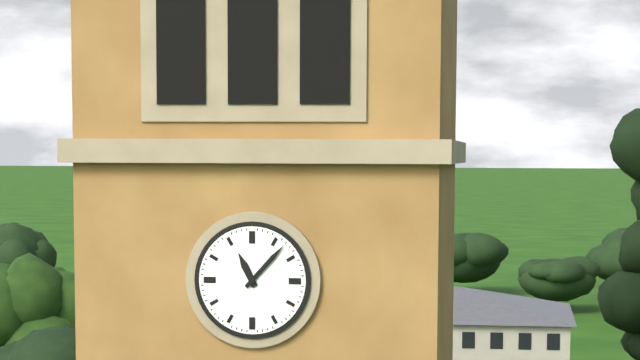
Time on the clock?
11:07
